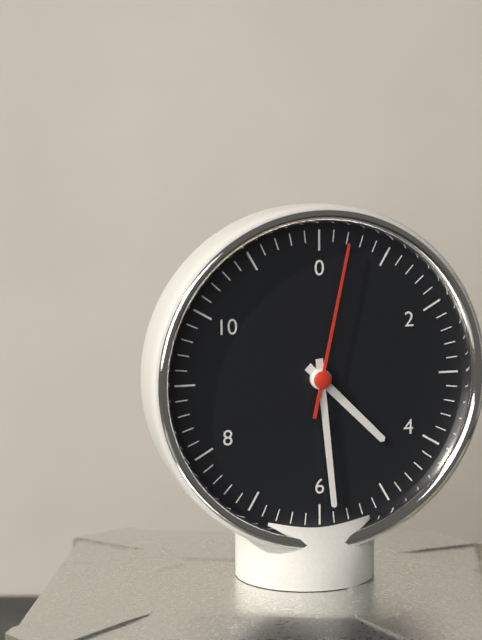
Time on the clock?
4:29:02
